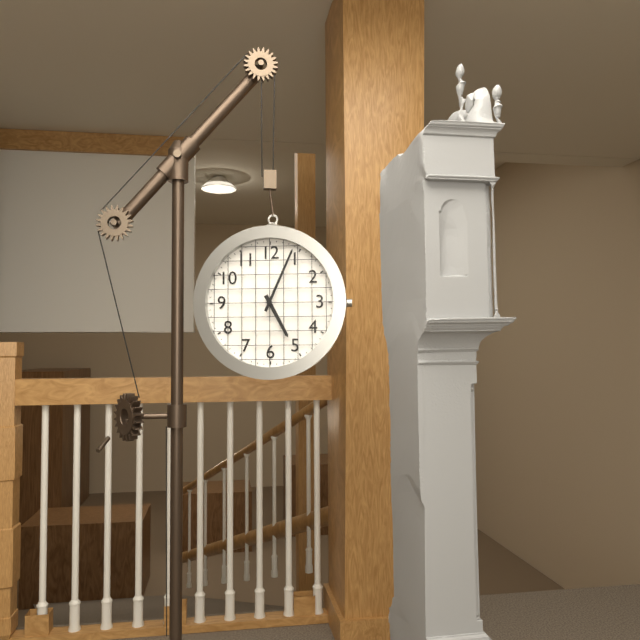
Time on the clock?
5:04
